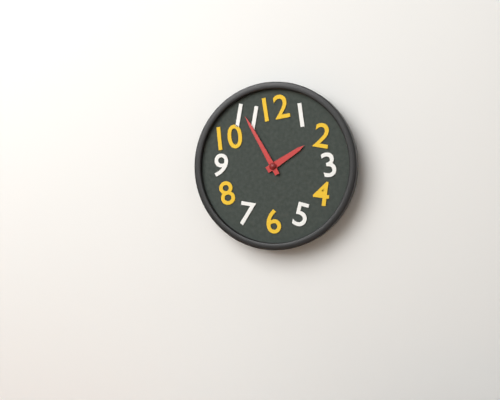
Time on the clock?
1:55
